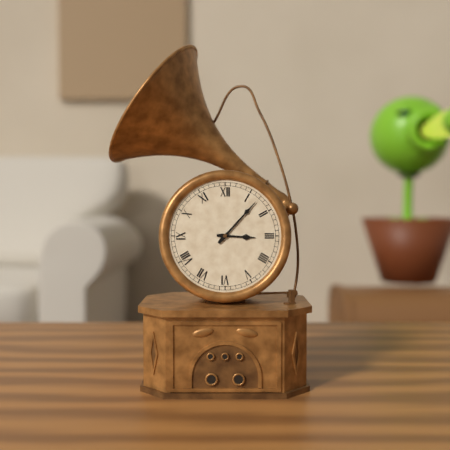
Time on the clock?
3:07
